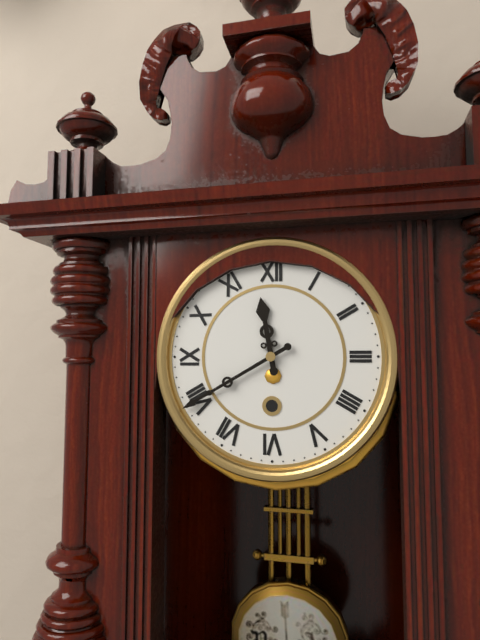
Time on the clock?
11:40
